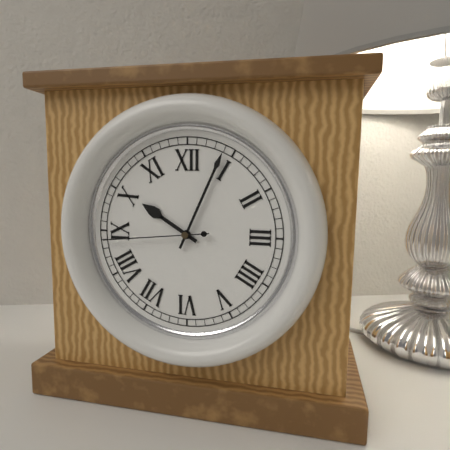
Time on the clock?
10:04:44
